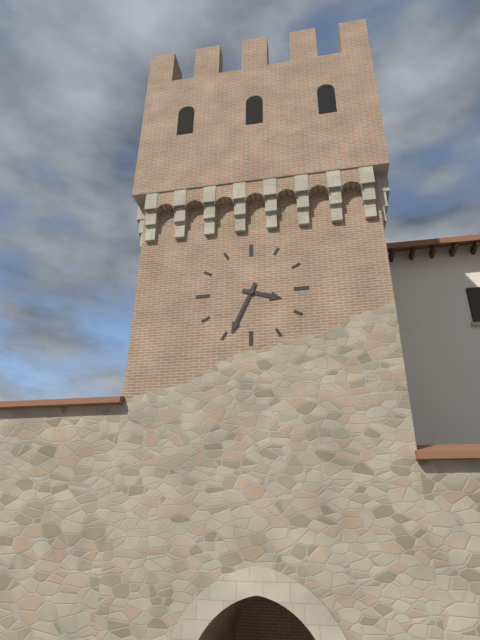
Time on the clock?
3:34
